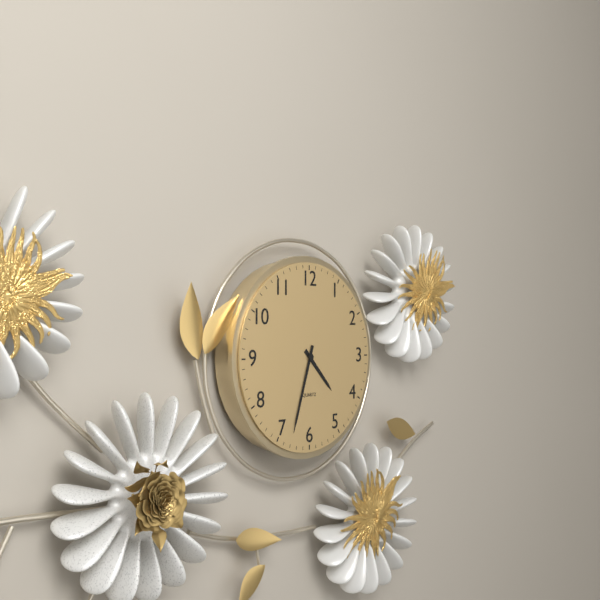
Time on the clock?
4:33
